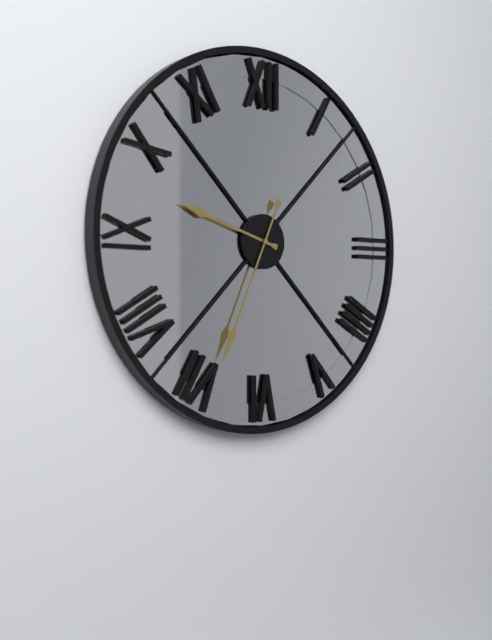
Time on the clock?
9:34
